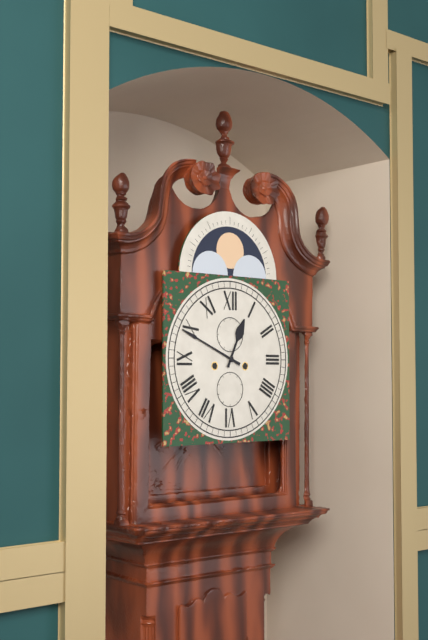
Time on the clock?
12:49
